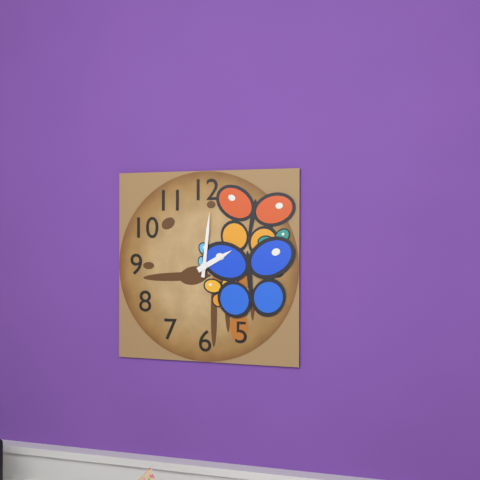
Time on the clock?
2:01
